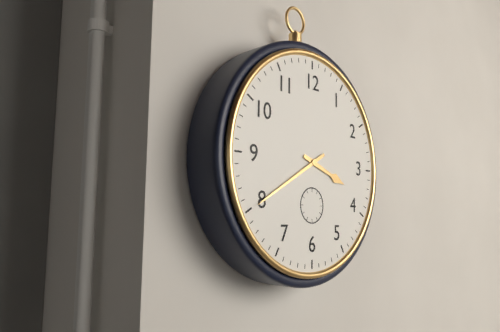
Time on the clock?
3:40
